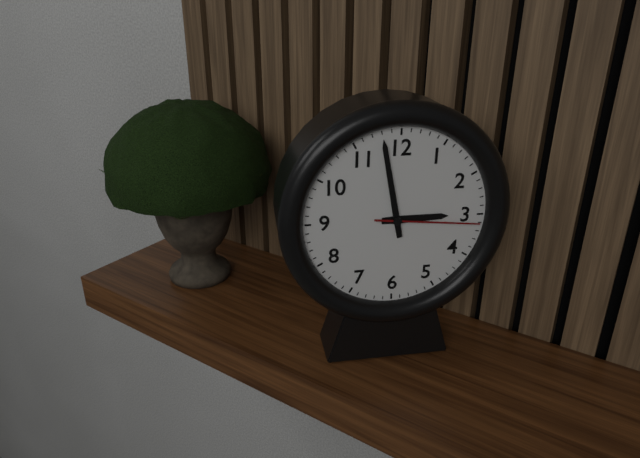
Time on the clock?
2:58:16
